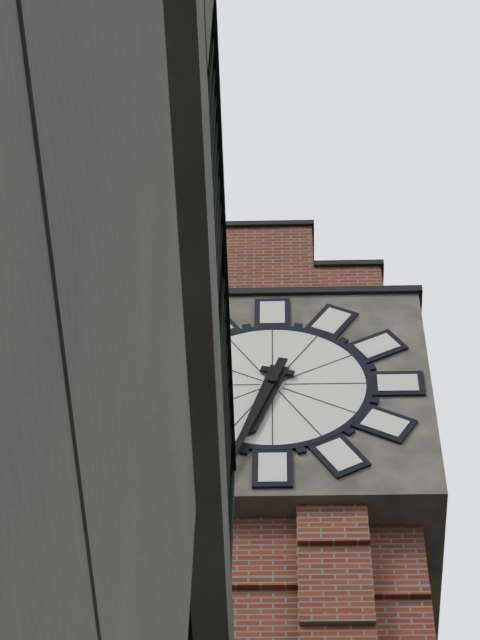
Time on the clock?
6:33
